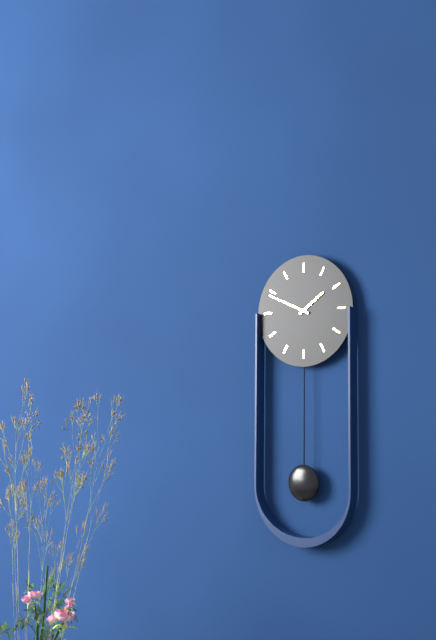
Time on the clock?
1:49
